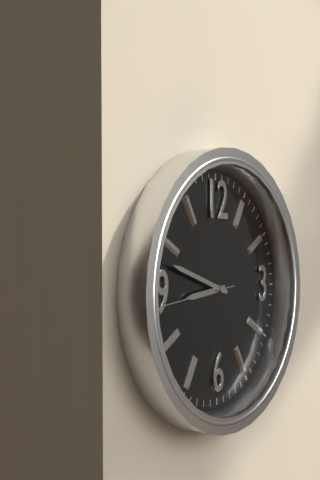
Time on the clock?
8:48:44
